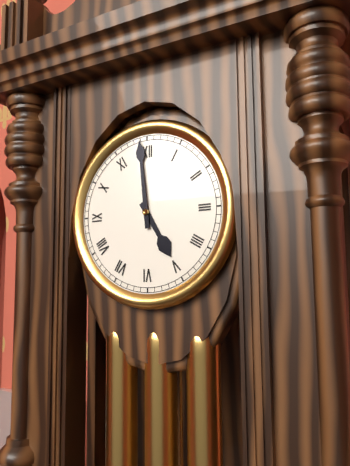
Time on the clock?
4:59
